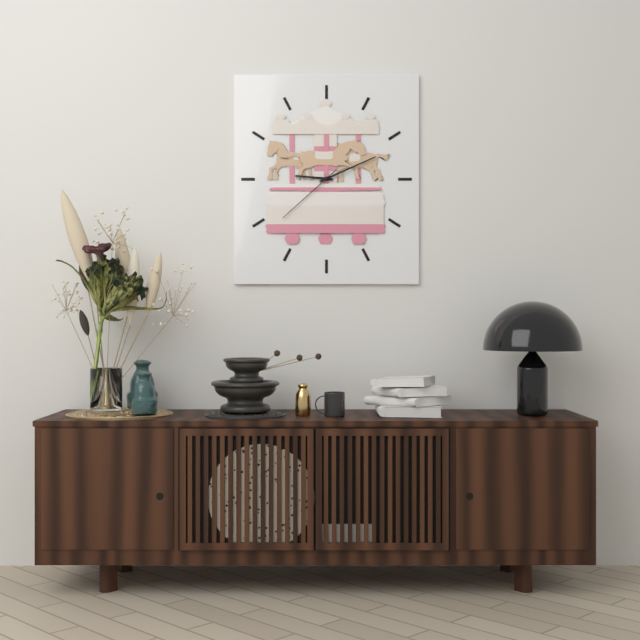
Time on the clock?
9:11:38
